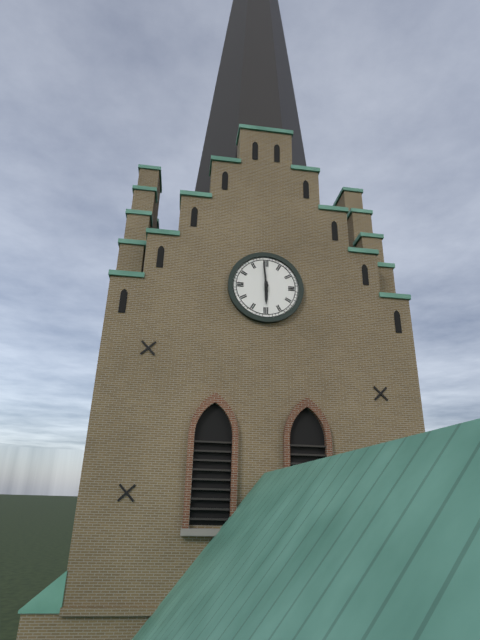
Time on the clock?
5:59
